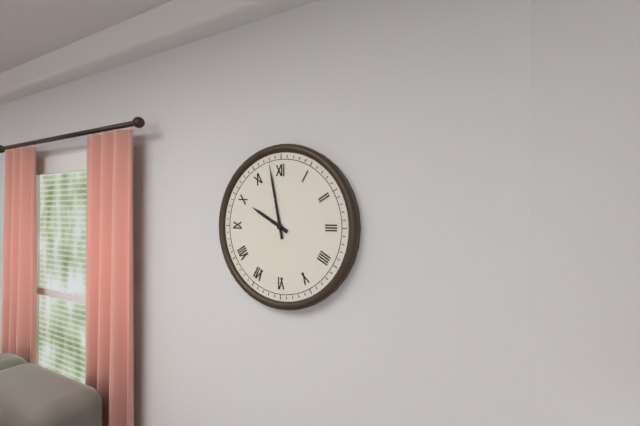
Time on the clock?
9:58
